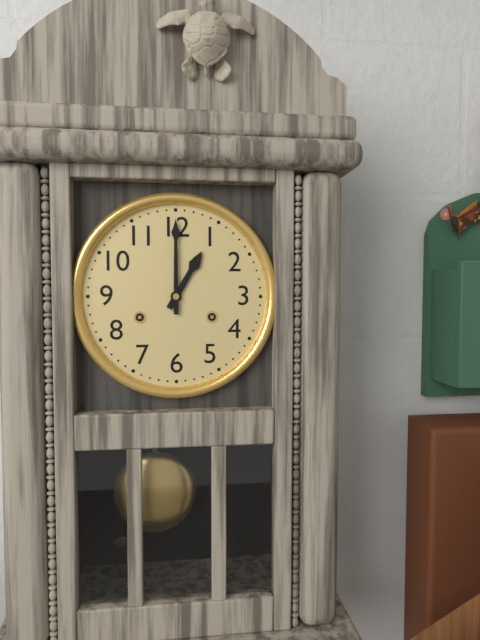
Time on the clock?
1:00
